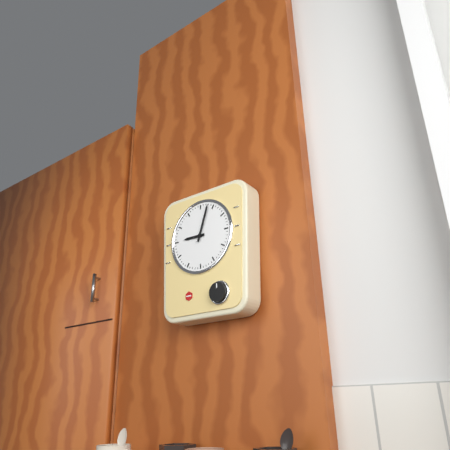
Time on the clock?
9:03
